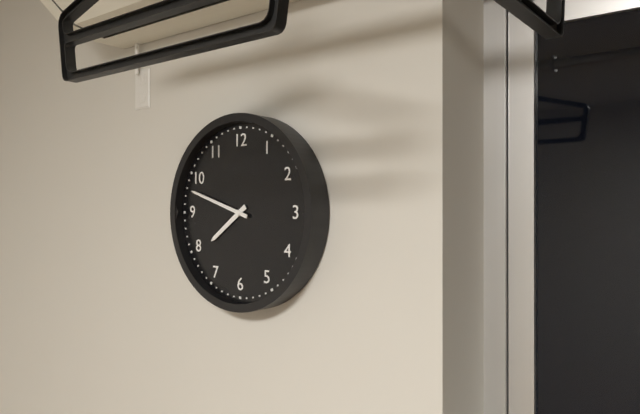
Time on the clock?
7:48
